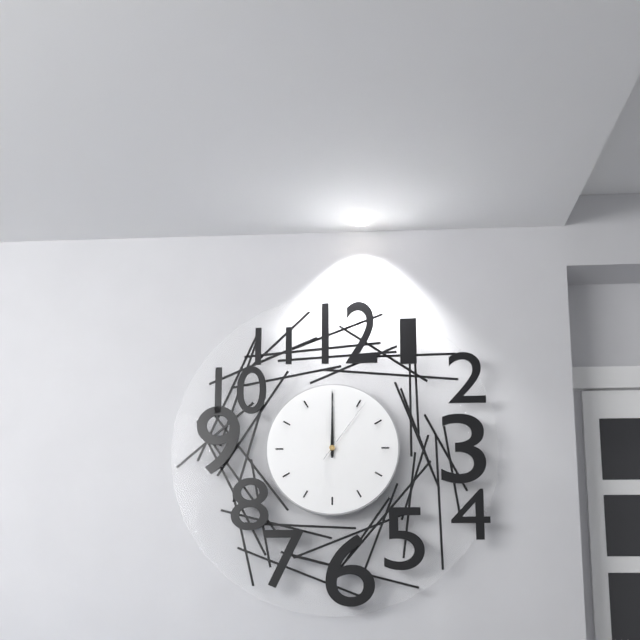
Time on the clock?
12:00:06
